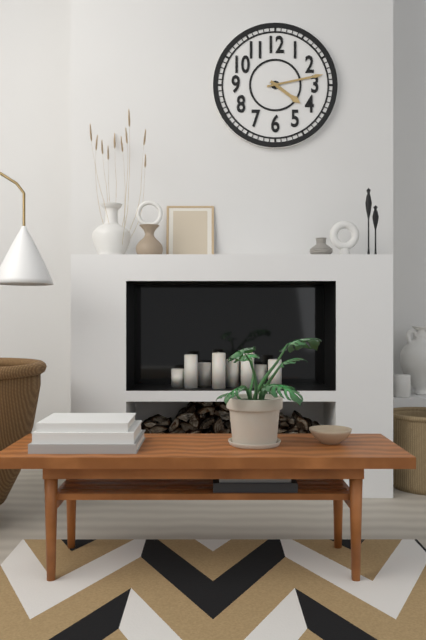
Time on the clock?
4:13
